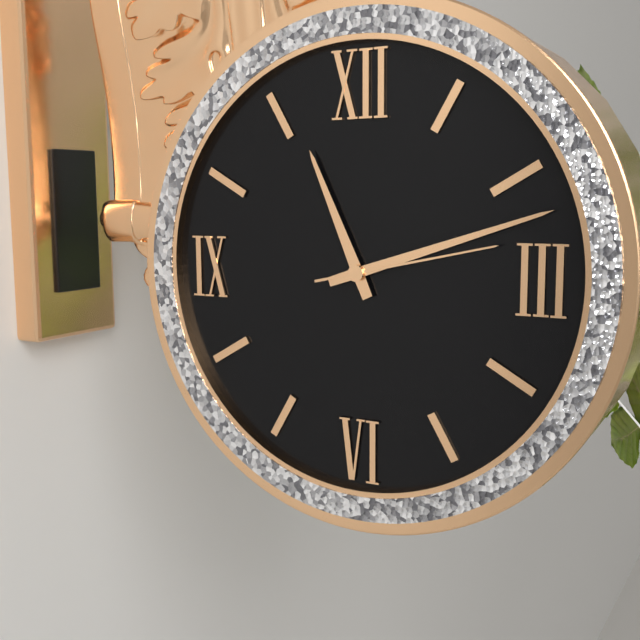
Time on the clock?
11:12:13
